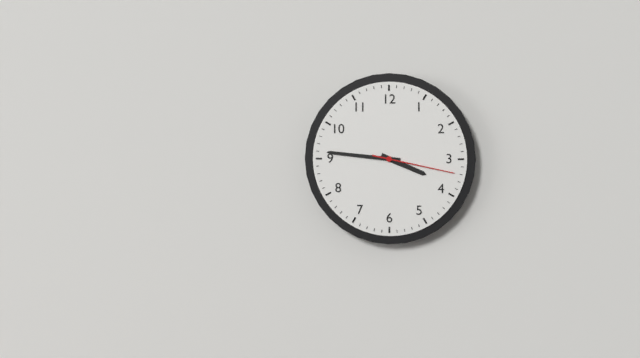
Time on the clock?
3:46:17
